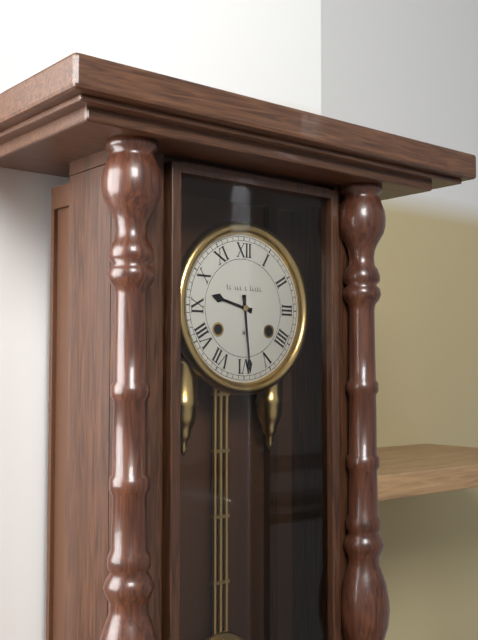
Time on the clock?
9:29
